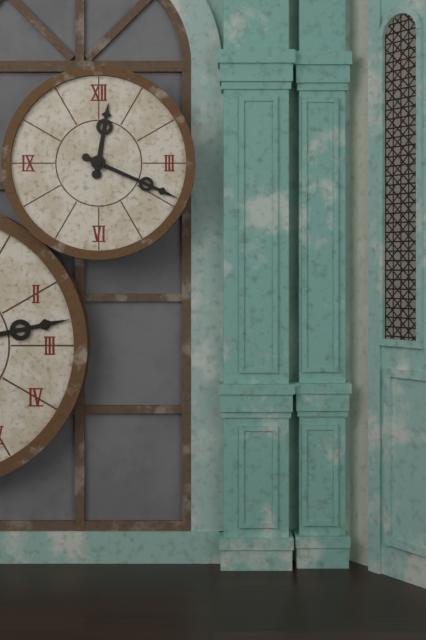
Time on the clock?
12:19
